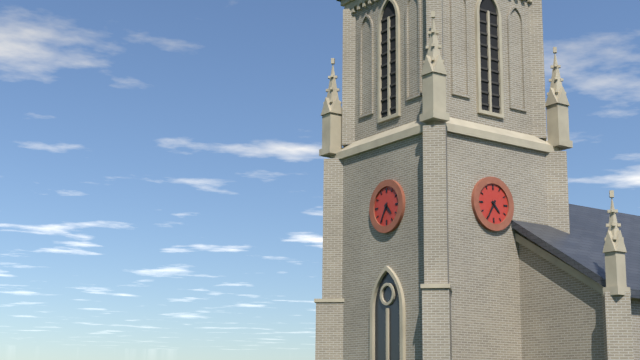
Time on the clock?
4:35
